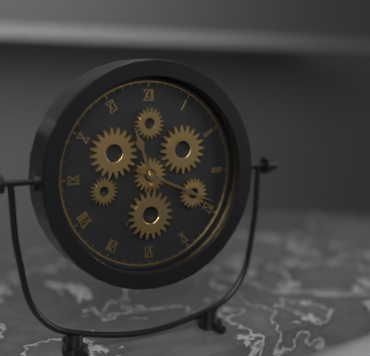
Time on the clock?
11:19
